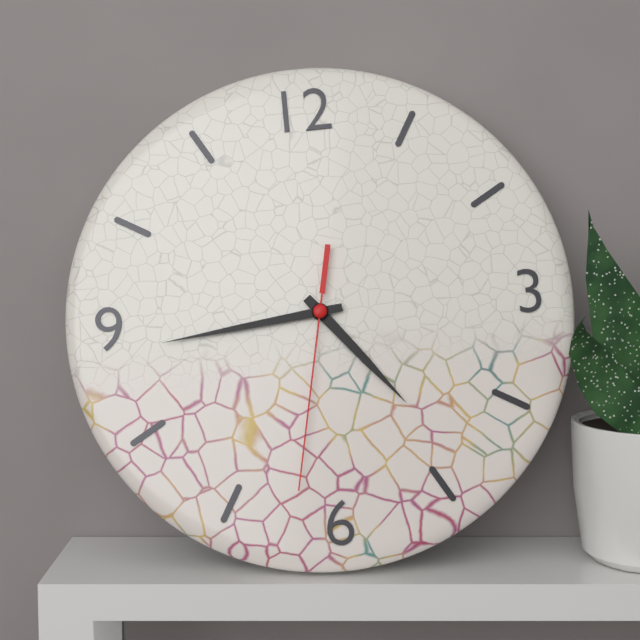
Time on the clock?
4:44:32
